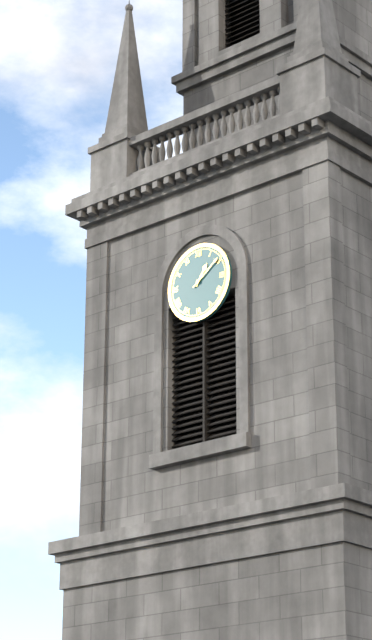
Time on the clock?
1:09
